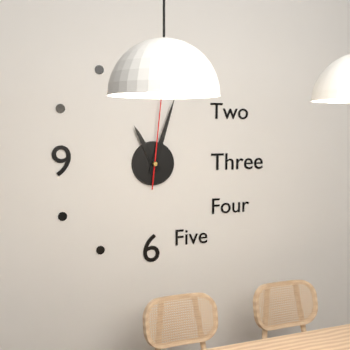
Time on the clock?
11:03:01
